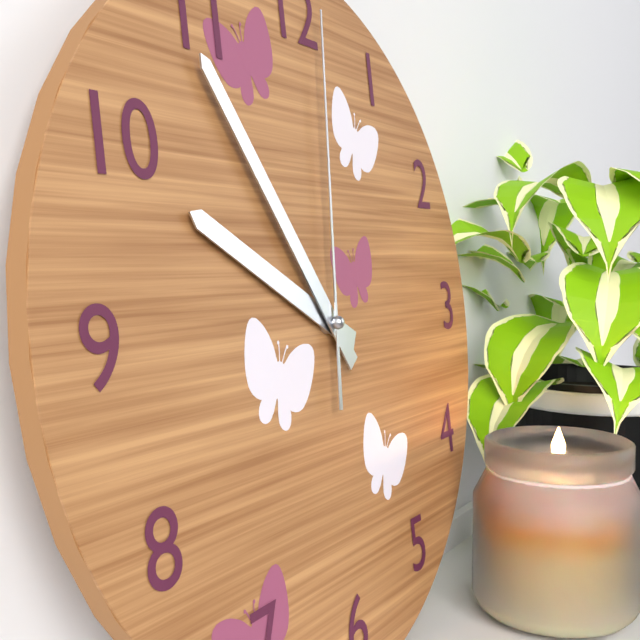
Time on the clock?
9:54:01
